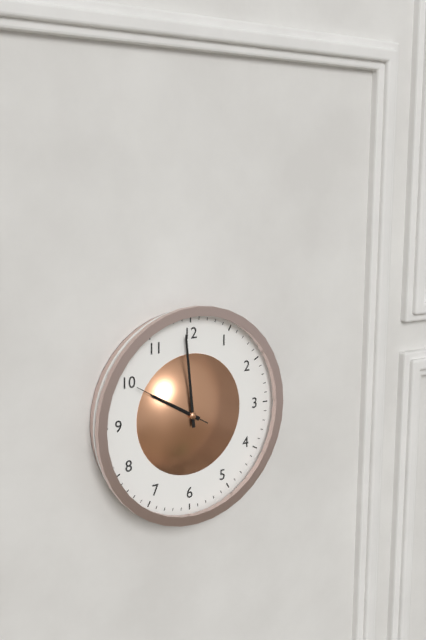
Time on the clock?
9:59:50
